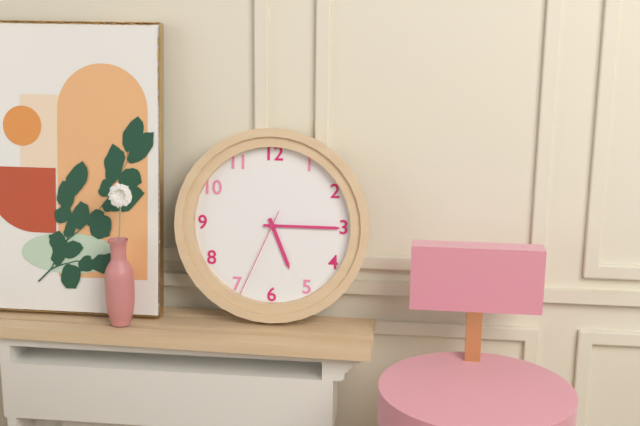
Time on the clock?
5:15:34
